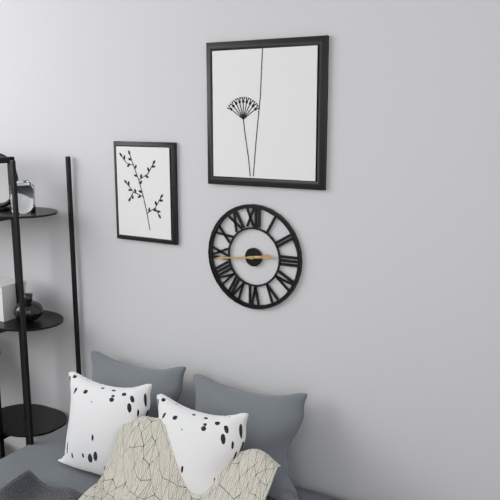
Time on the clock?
2:44
